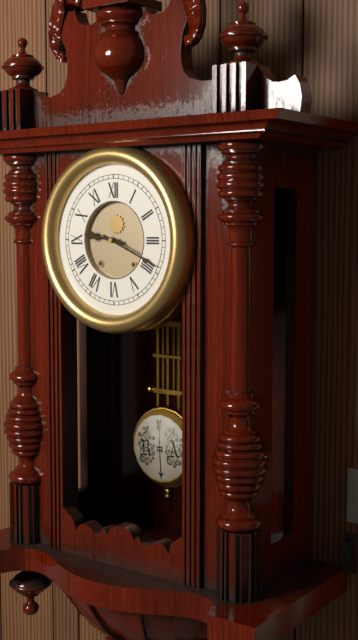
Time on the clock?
9:19
